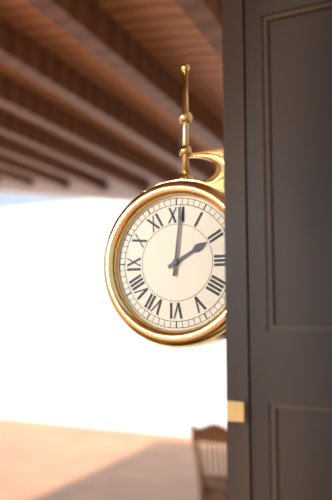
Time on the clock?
2:01
